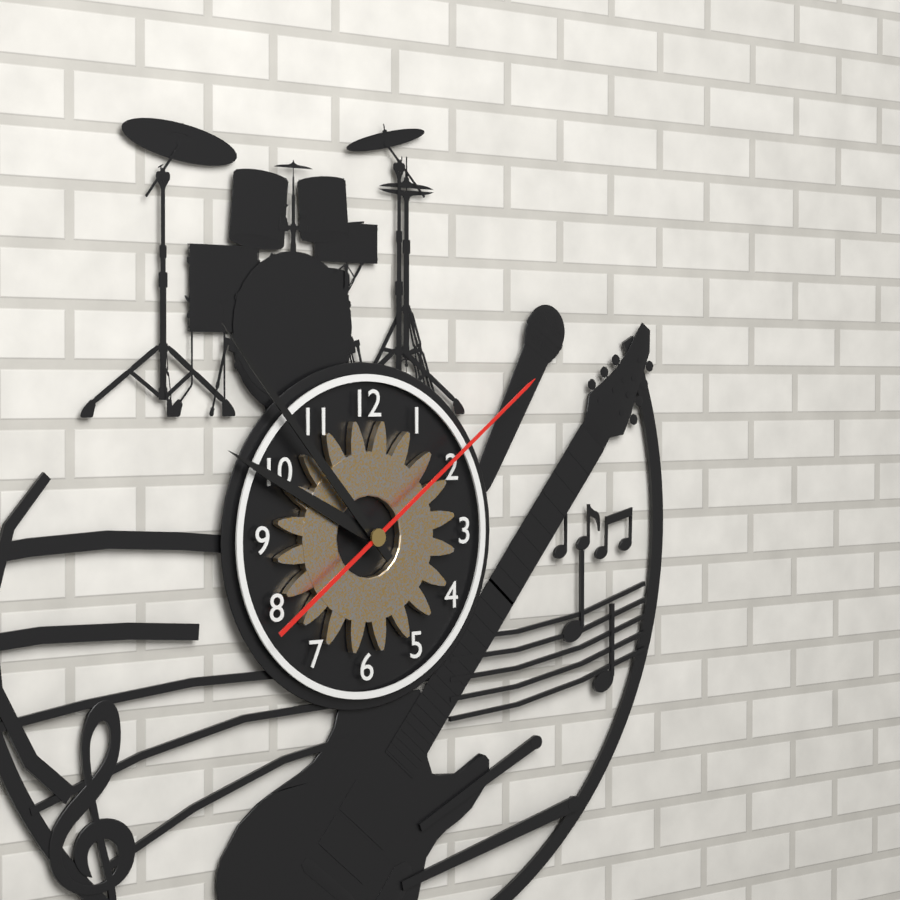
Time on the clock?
9:53:09
